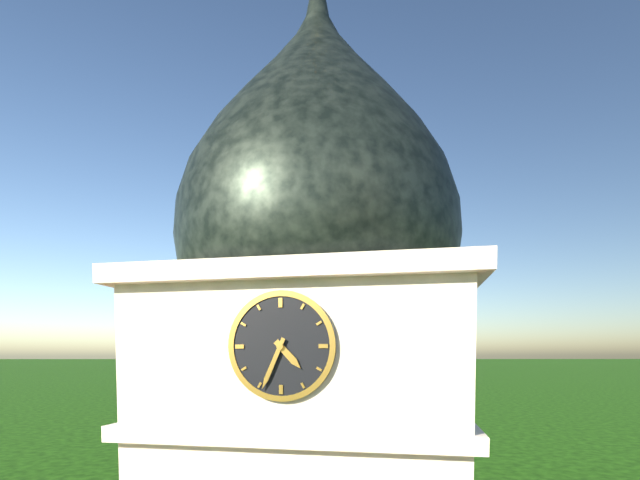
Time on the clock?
4:34
